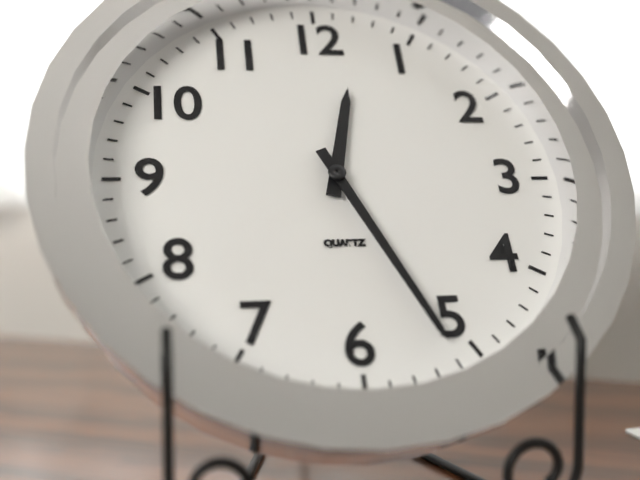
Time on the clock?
12:26
